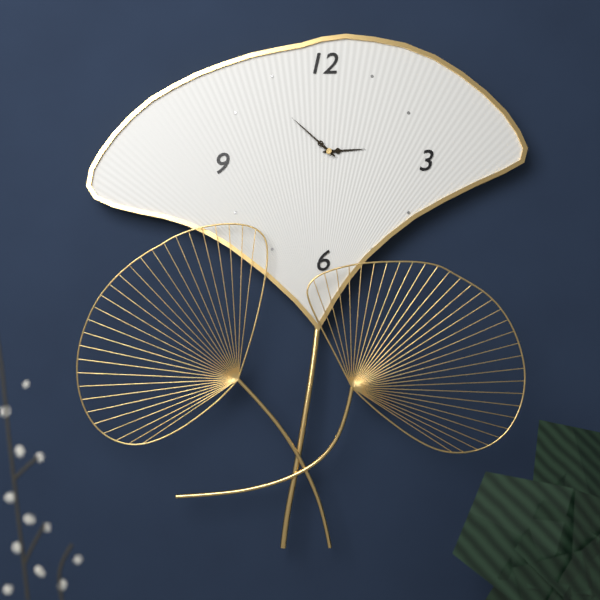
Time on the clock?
2:52
